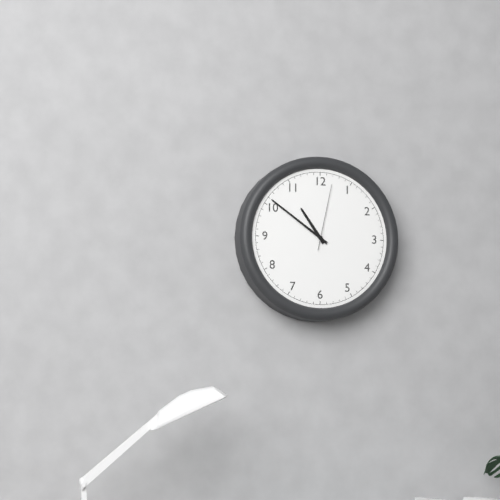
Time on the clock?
10:51:02
